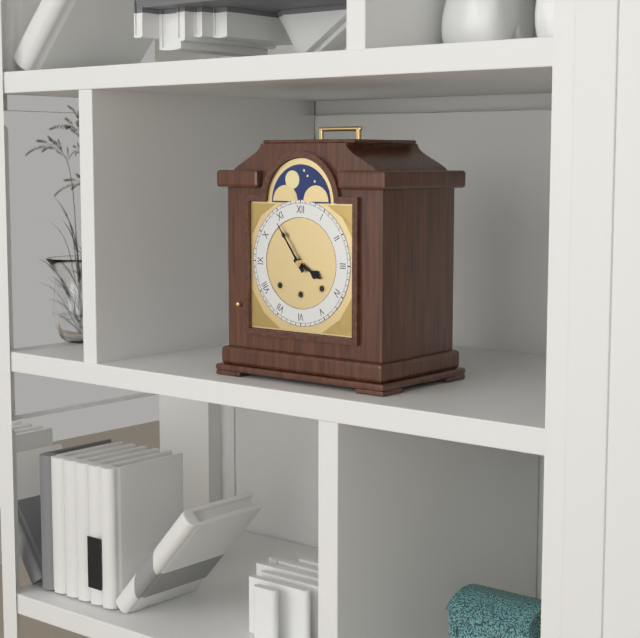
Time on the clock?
3:54
